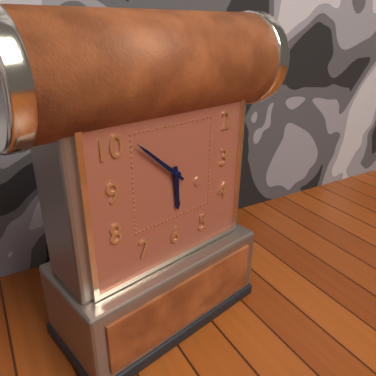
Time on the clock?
5:52
